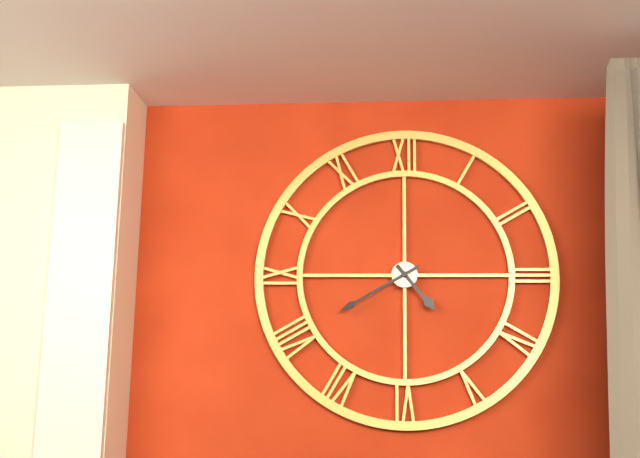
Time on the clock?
4:40
